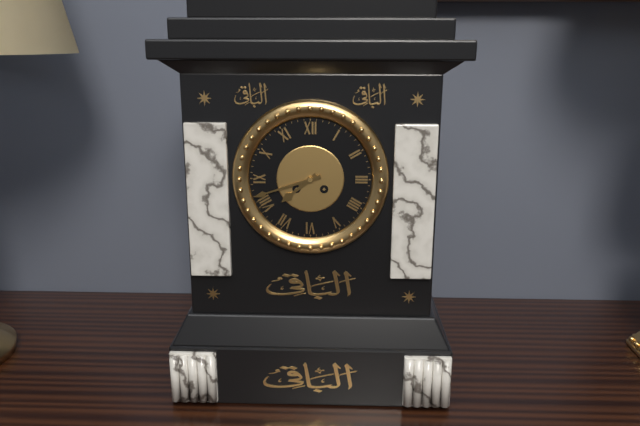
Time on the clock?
7:42
